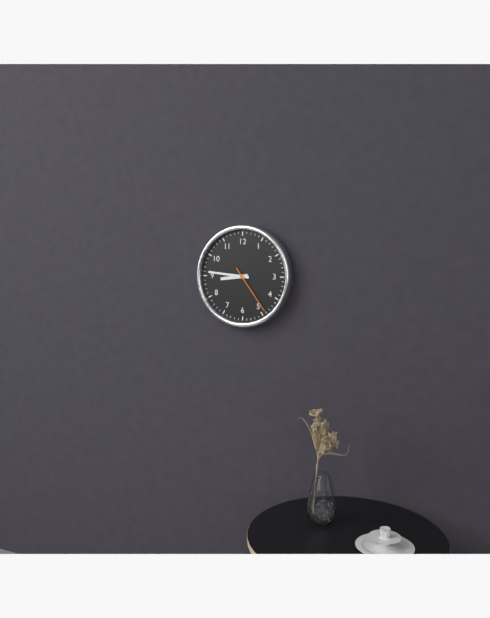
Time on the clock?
8:46:24
